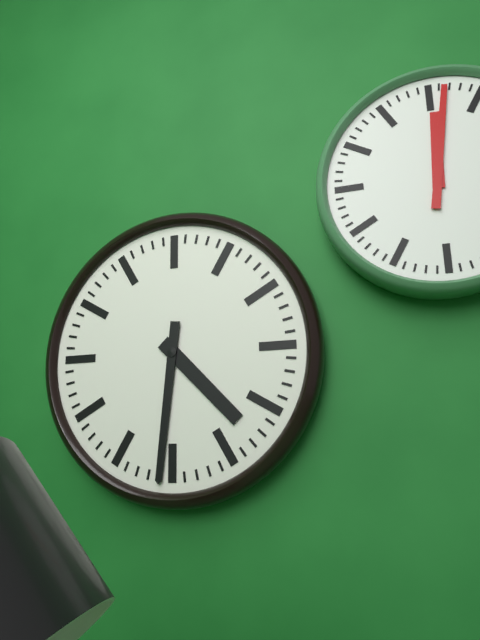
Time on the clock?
4:31
